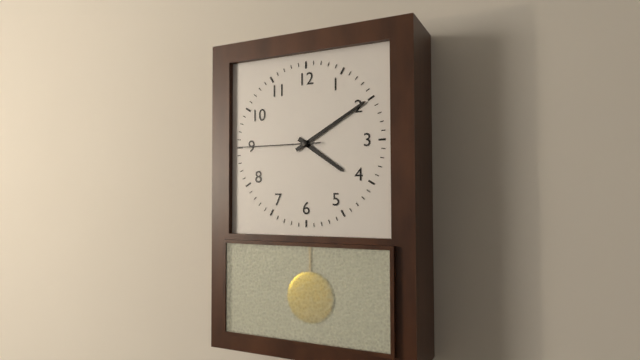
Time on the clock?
4:10:45
